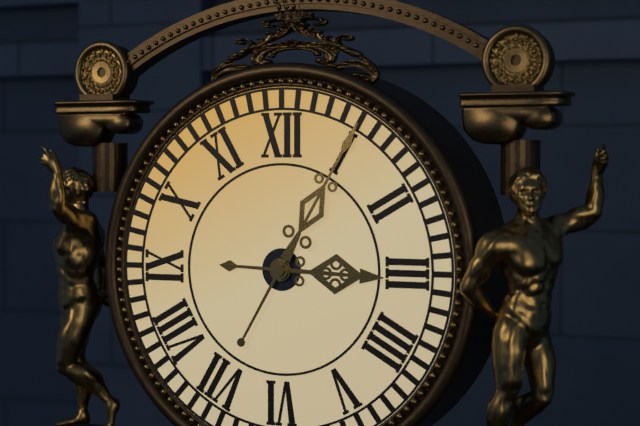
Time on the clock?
3:05
